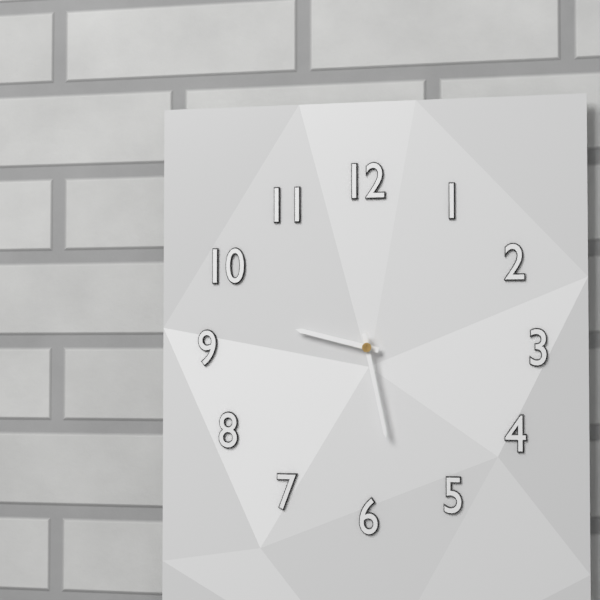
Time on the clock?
9:28
